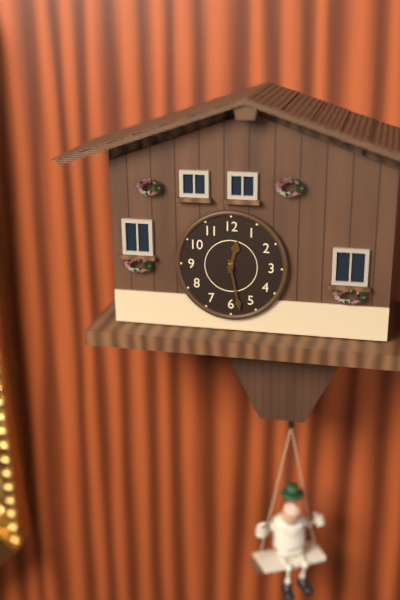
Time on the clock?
12:28
